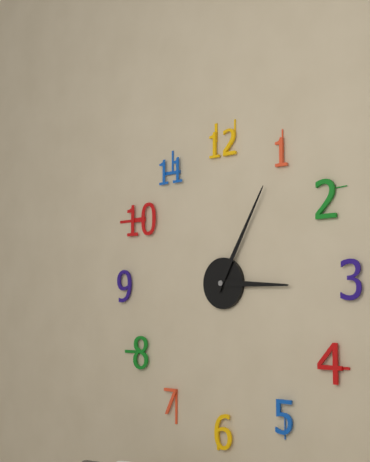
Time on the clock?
3:05
